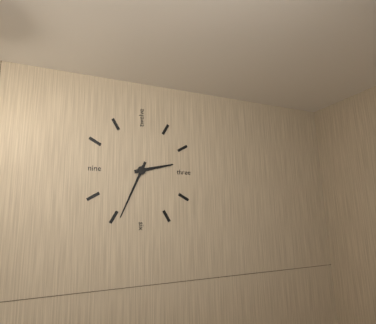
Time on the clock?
2:34
